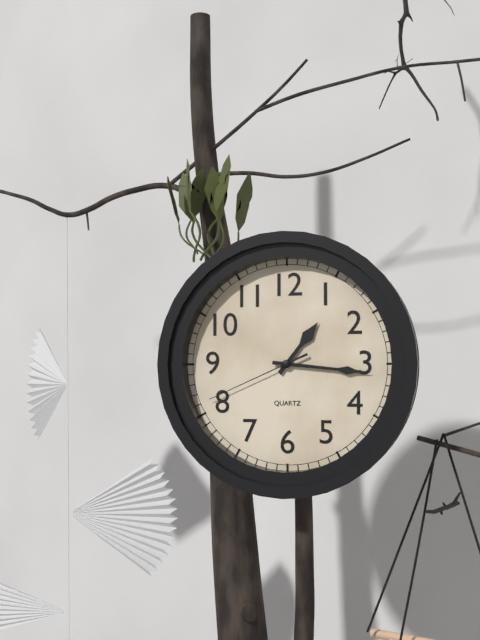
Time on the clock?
1:16:41
